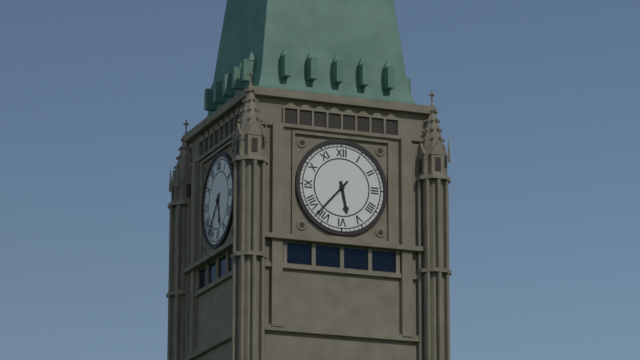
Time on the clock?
5:37
